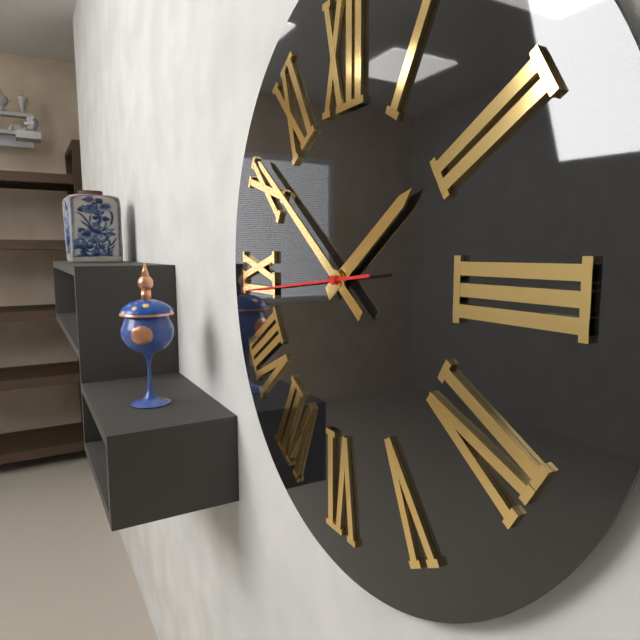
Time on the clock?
1:51:44
